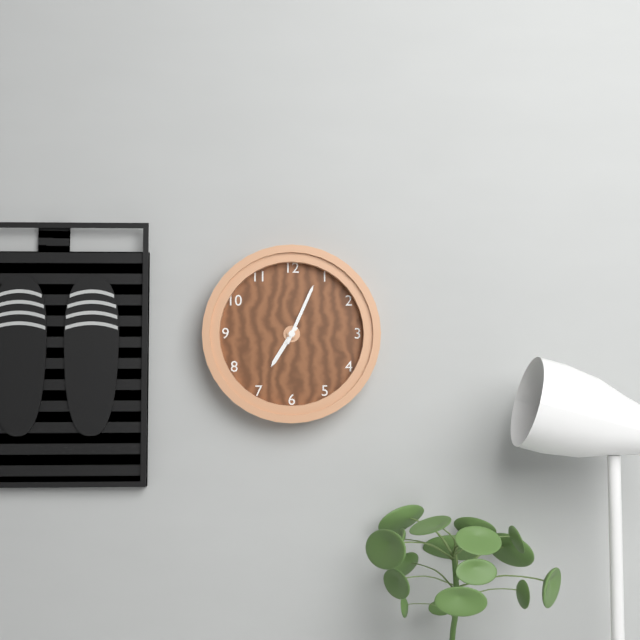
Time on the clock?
7:04
